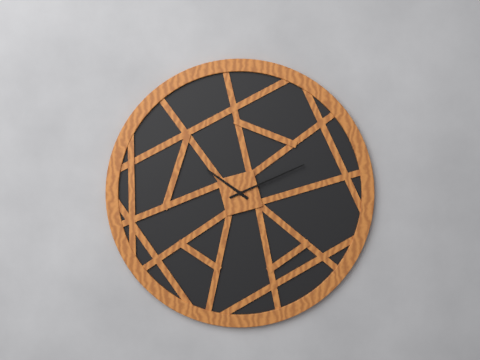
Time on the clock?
10:11
